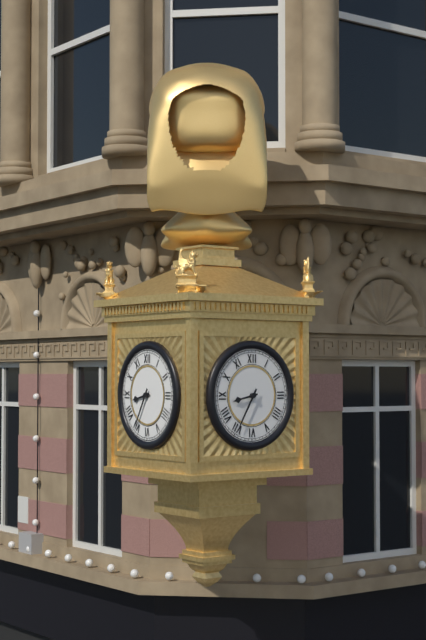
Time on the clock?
8:35
